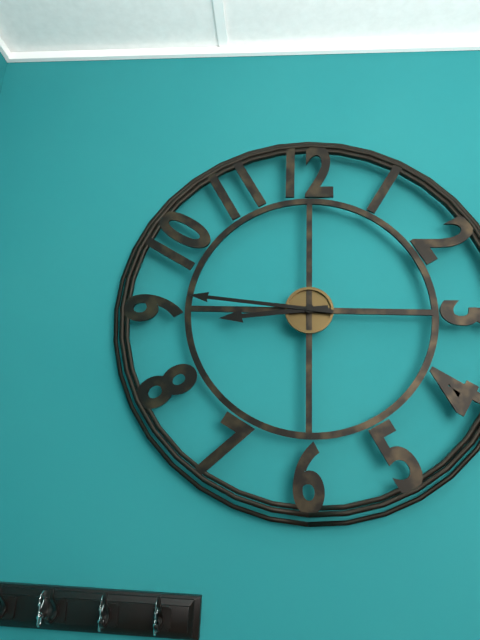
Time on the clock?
8:46
